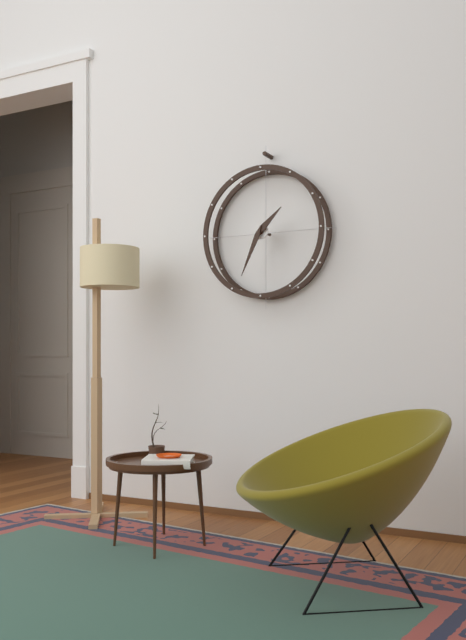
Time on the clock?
1:34
